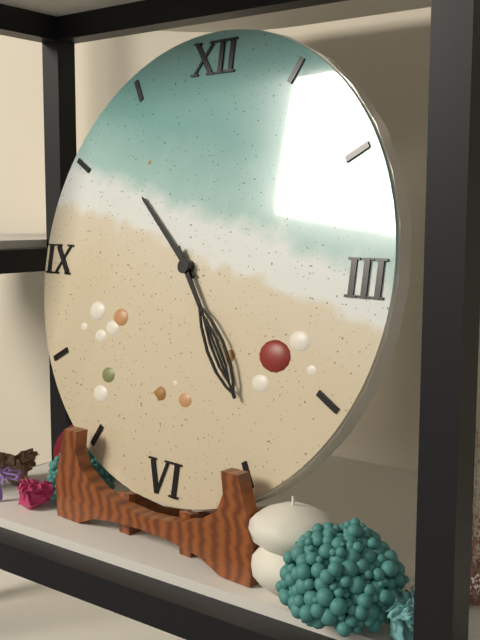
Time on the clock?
10:24
